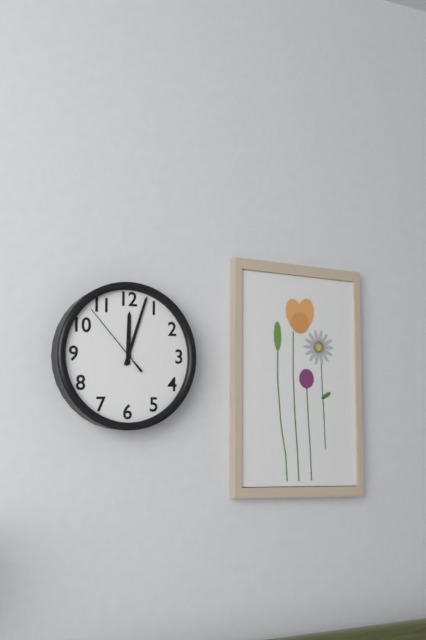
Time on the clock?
12:03:53
